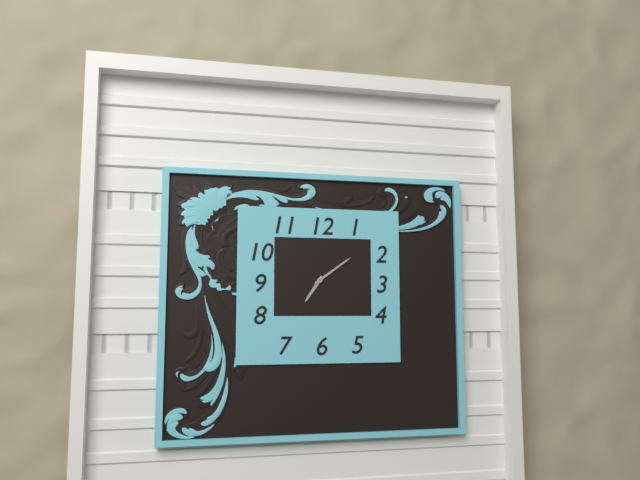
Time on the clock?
7:09
